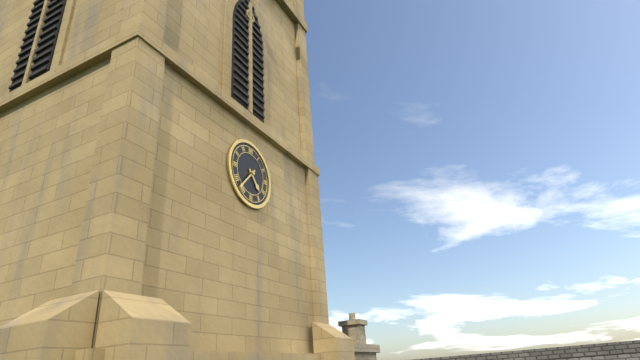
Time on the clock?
4:37
